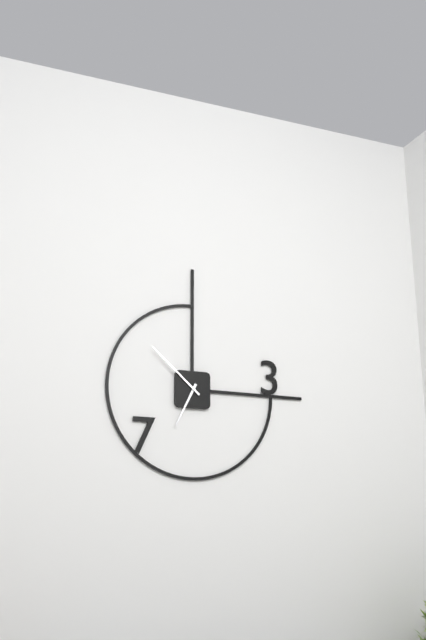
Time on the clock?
6:52
